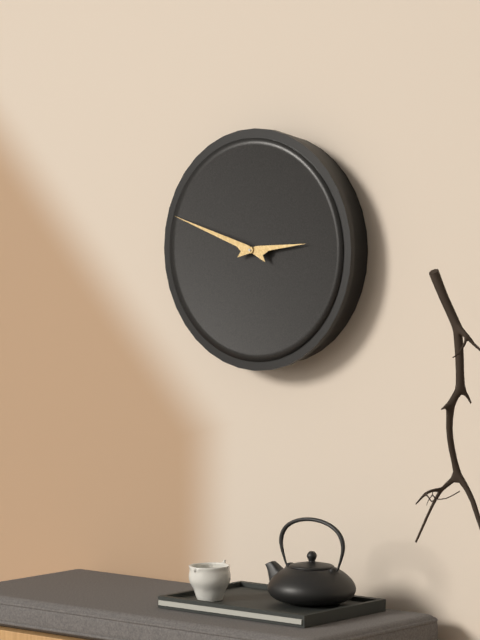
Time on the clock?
2:48
